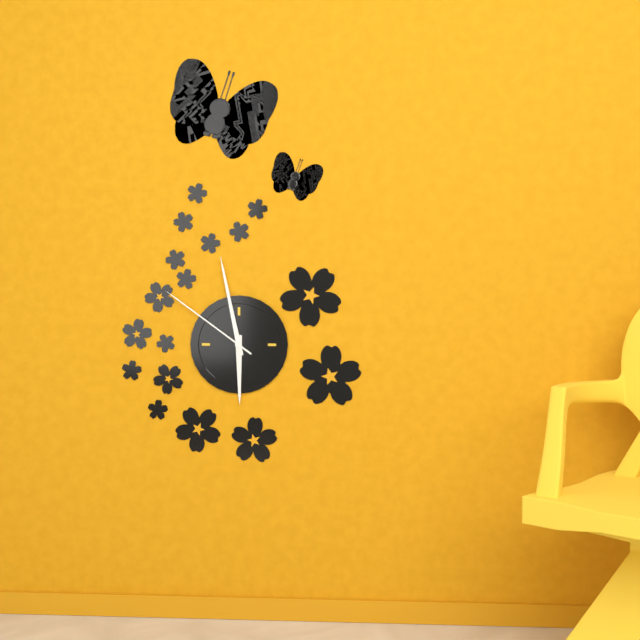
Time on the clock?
5:58:51
